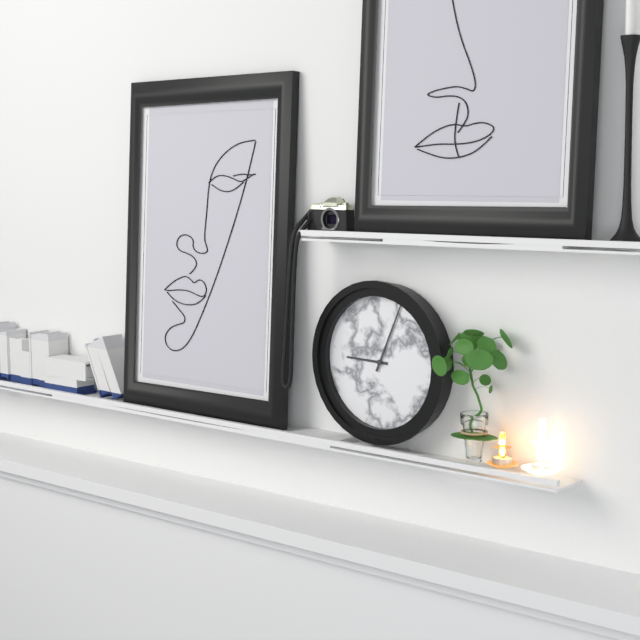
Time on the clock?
9:04
